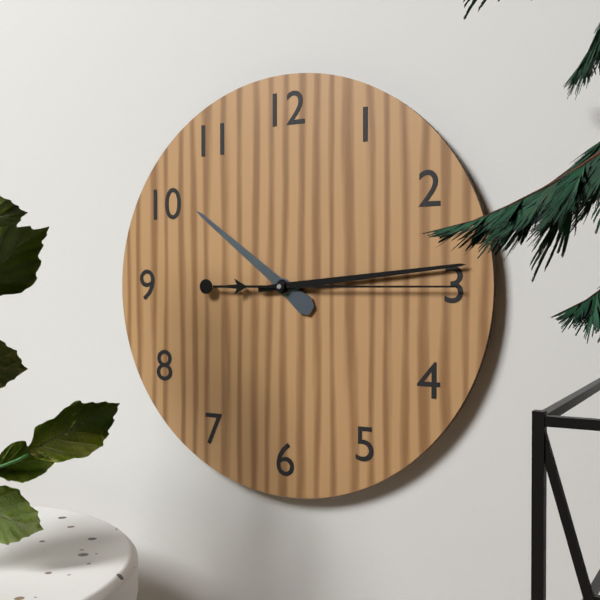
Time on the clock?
10:14:15
